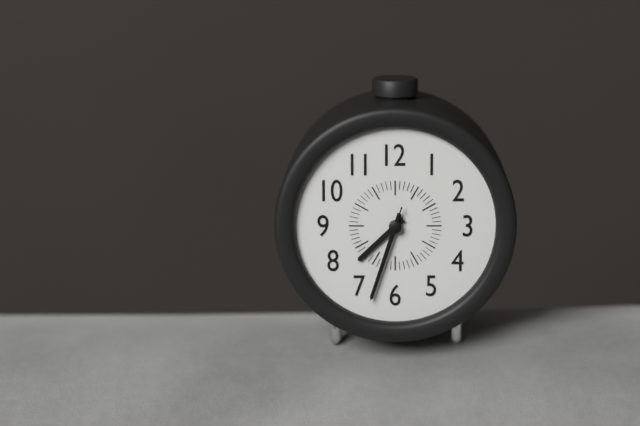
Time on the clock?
7:33:33
